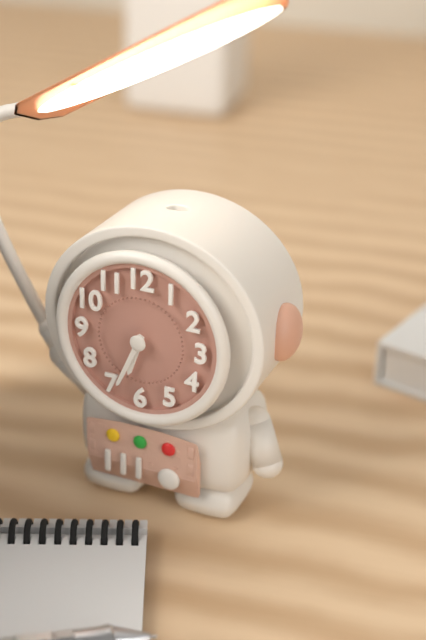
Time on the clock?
6:34
